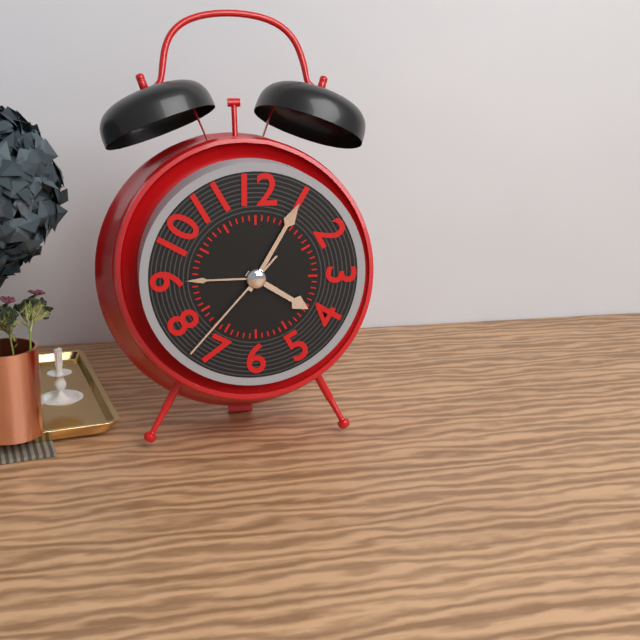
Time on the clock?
4:05:37
